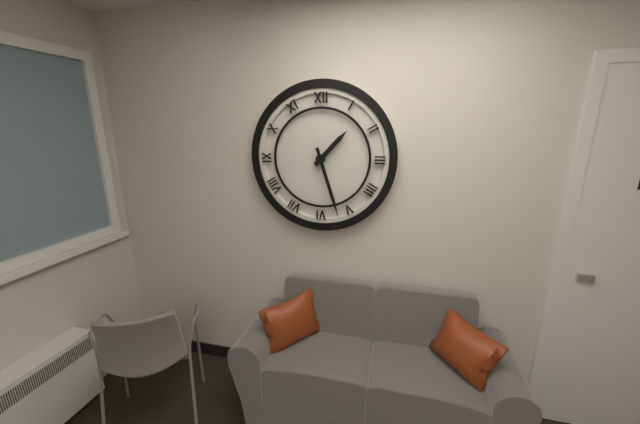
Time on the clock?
1:27
